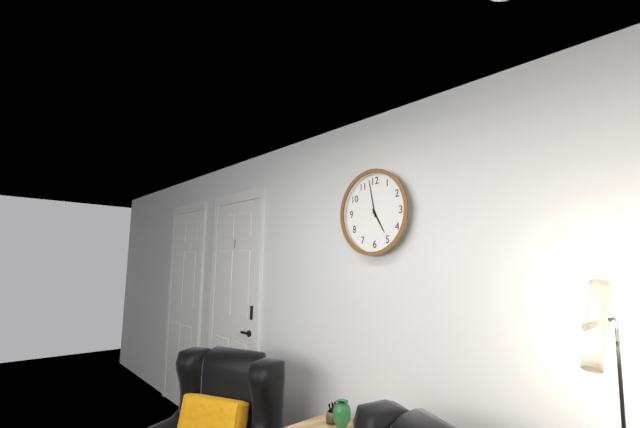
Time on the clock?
4:58
